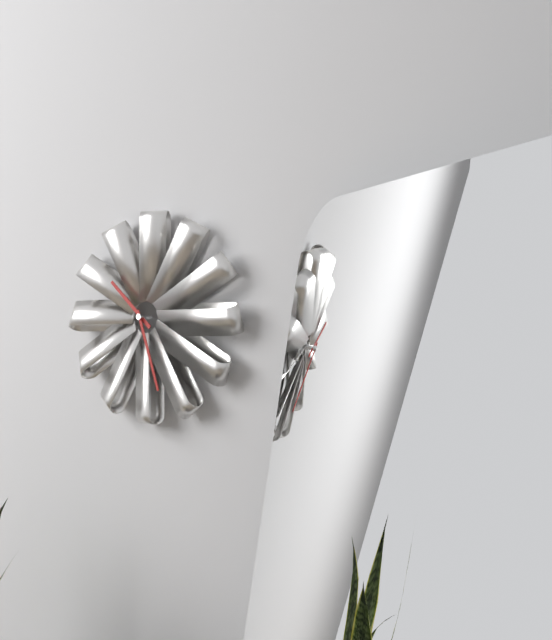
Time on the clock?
10:27
